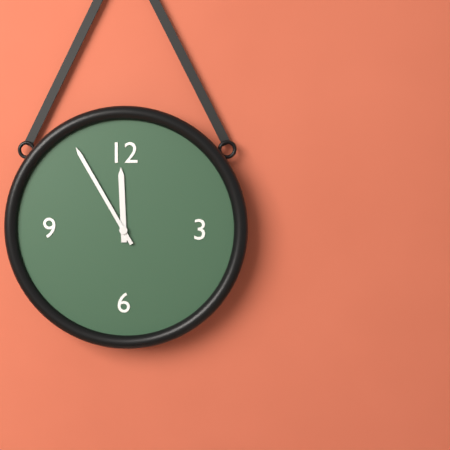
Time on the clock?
11:55
